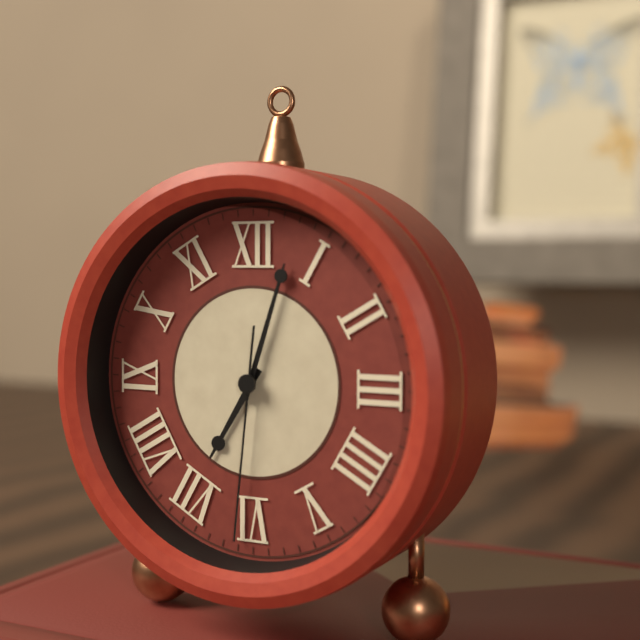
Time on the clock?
7:03:31
